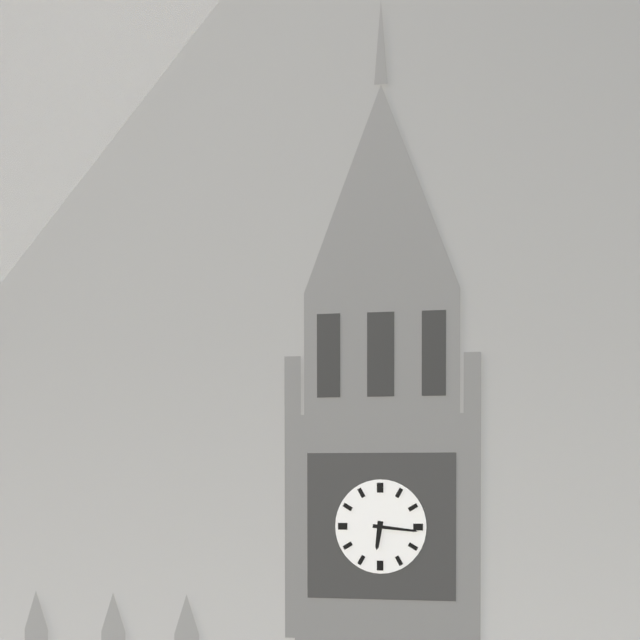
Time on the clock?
6:16
